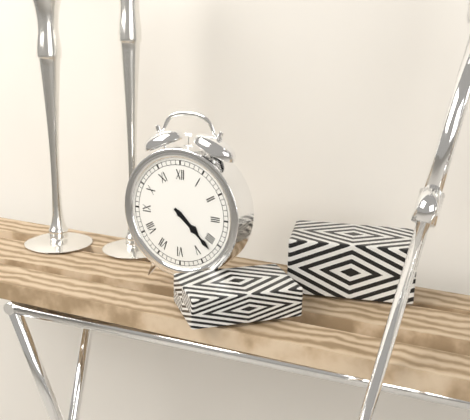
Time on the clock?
4:22
